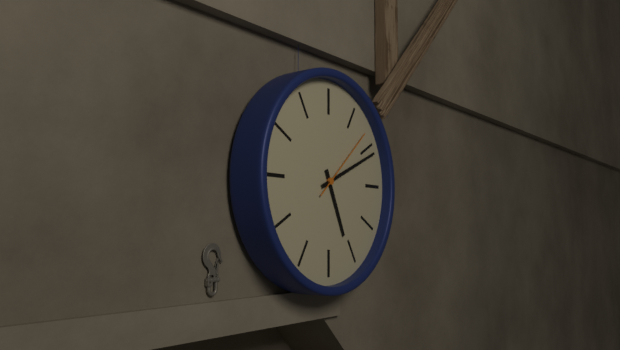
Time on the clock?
5:11:08
